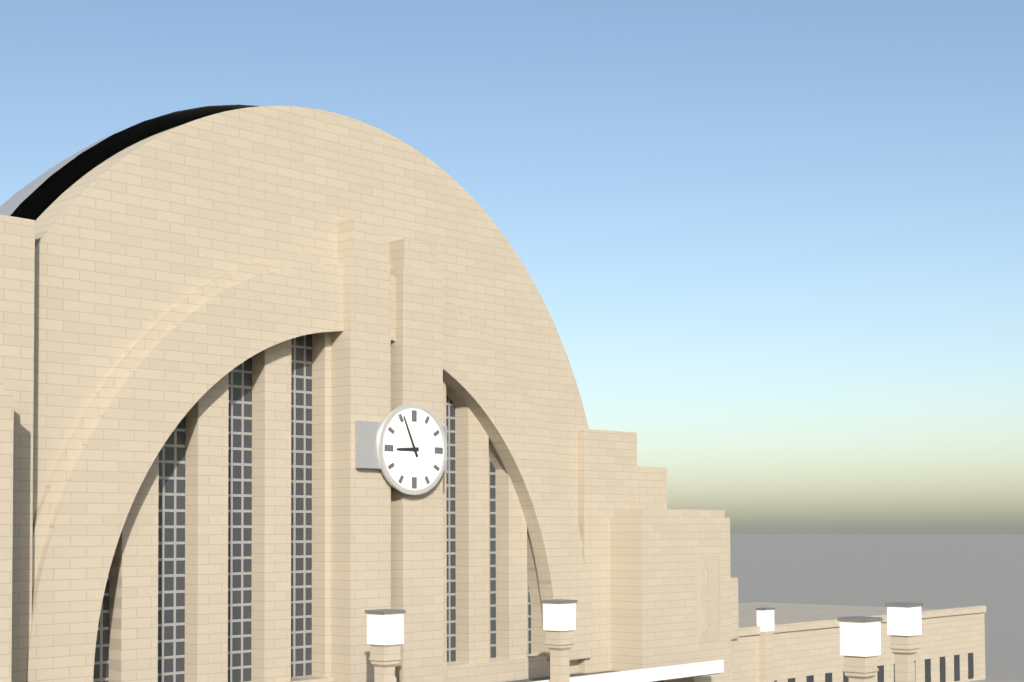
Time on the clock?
8:56
